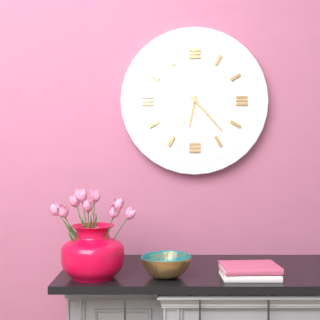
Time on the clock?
6:23
